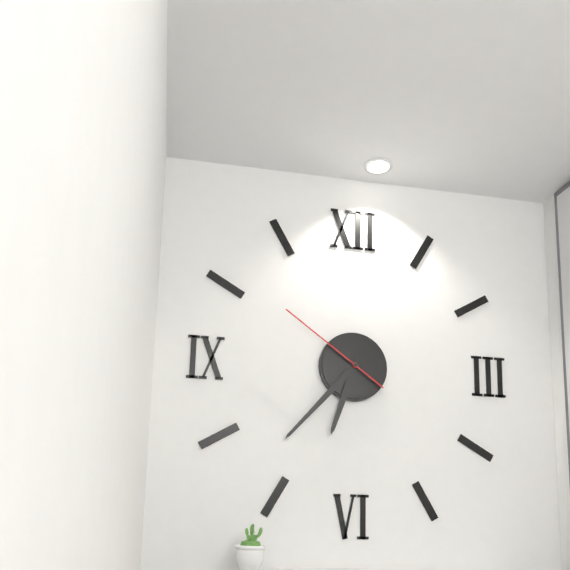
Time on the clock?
6:37:51
